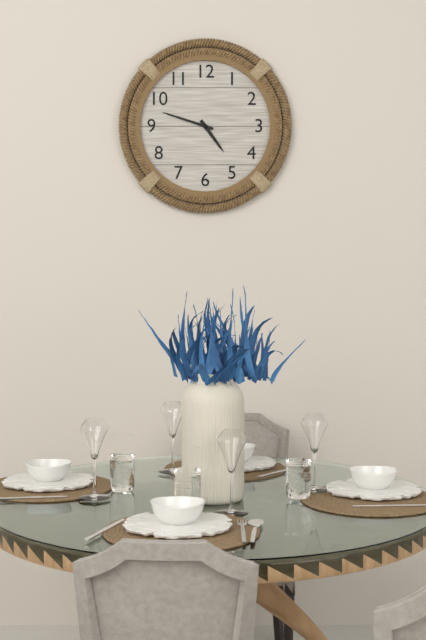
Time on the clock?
4:48
